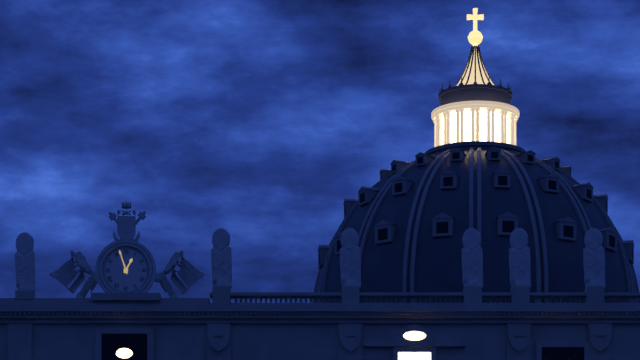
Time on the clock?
12:57
